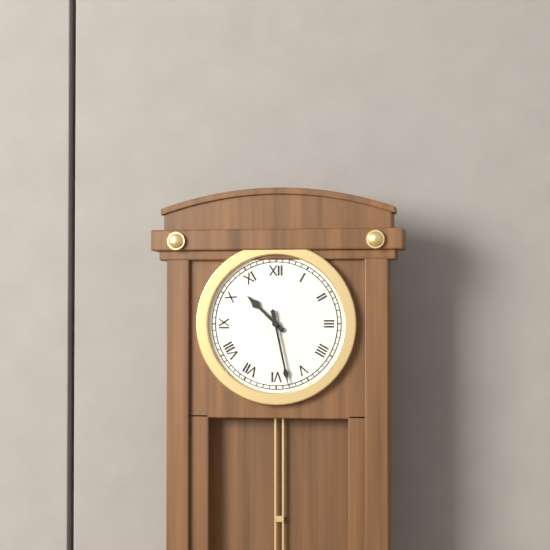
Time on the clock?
10:28
